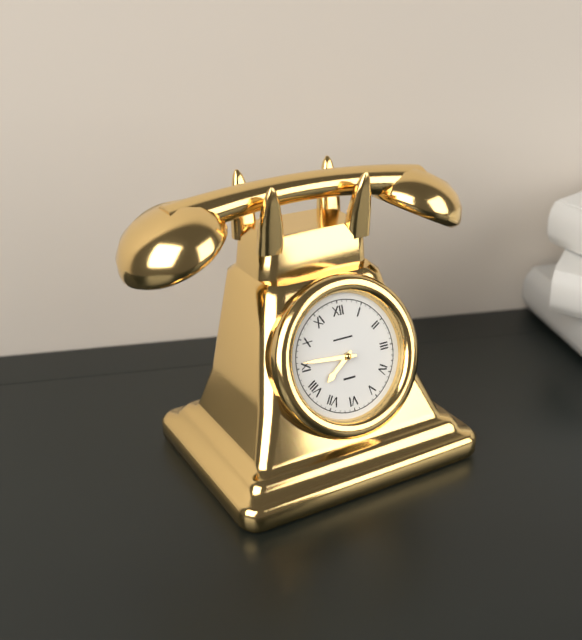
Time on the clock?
7:46
